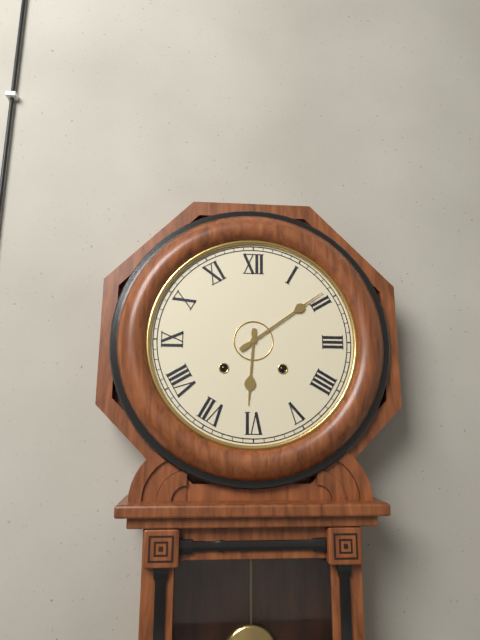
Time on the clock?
6:09
